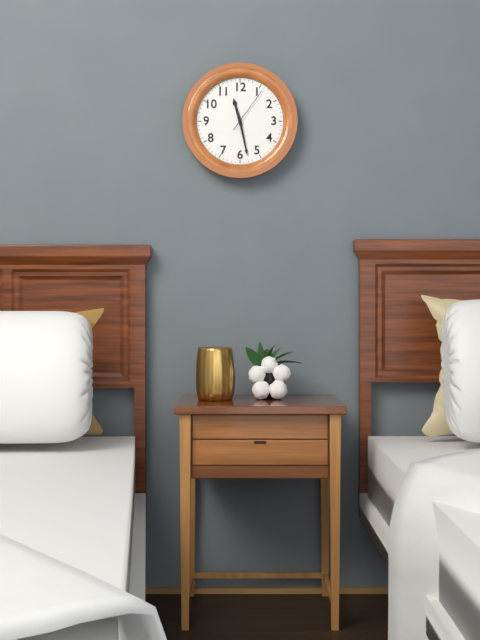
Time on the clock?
11:28
